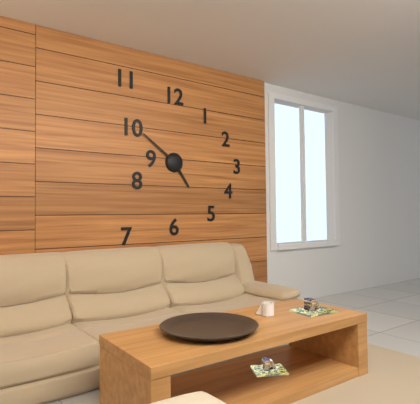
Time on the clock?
4:51
